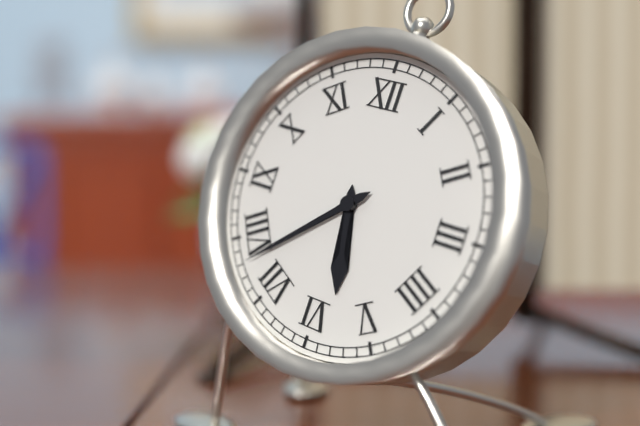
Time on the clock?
5:38
